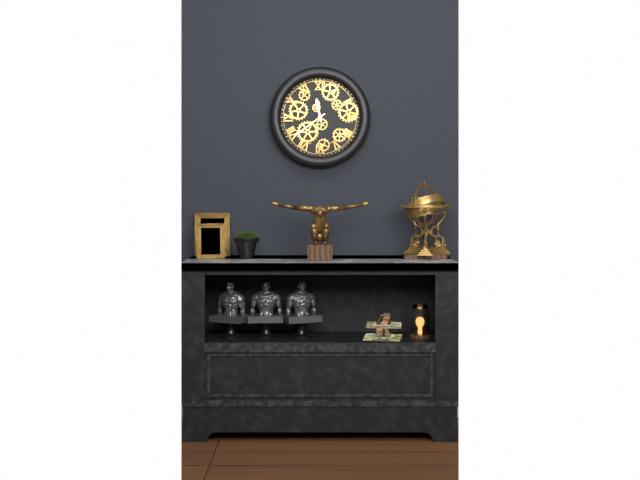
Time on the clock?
11:39
